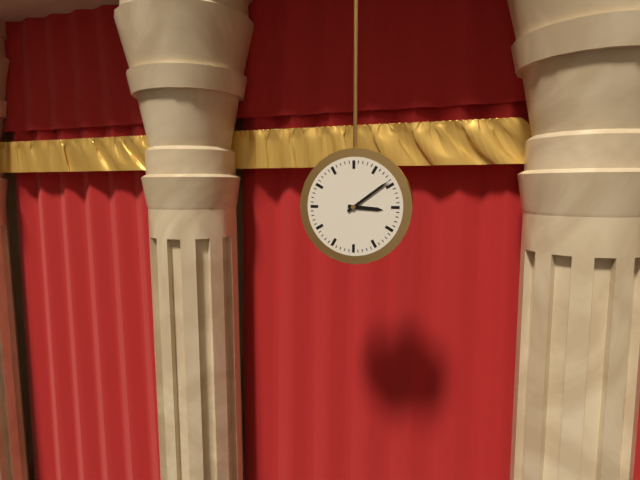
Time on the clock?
3:09
